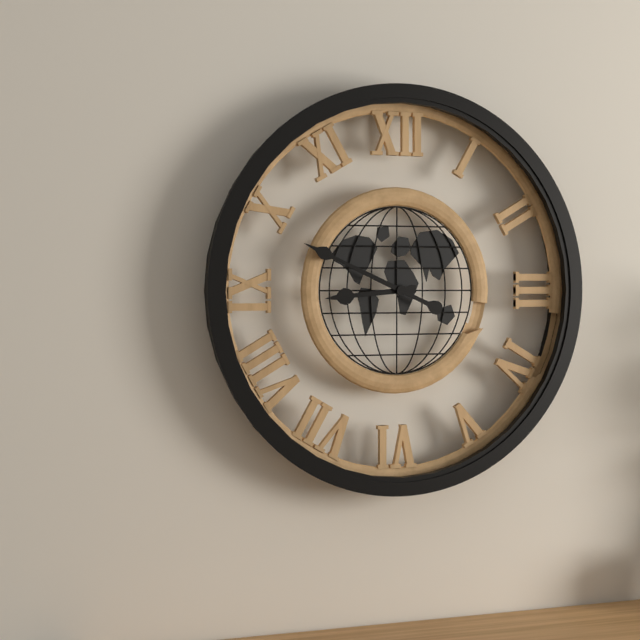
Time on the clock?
8:49
